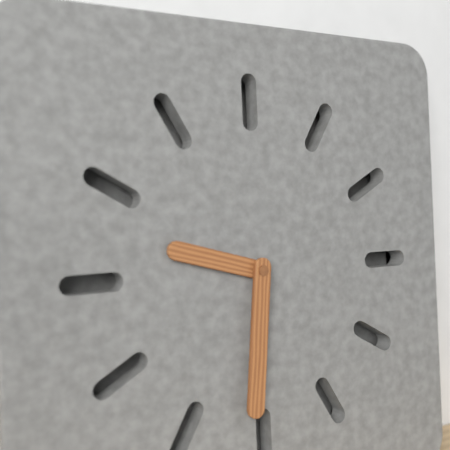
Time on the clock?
9:31
